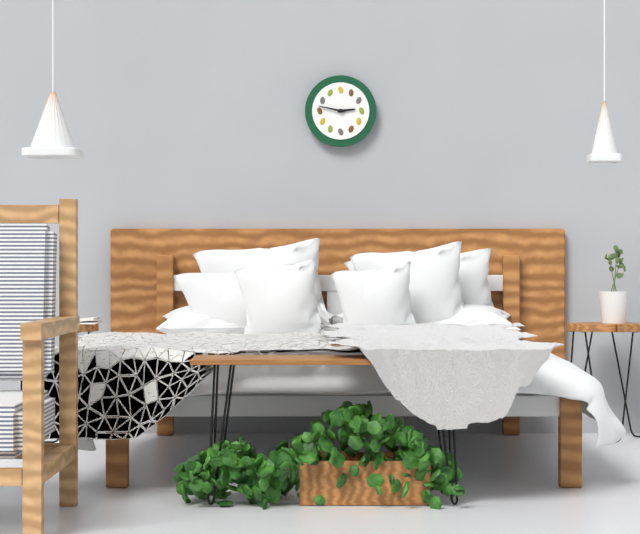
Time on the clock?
2:47
